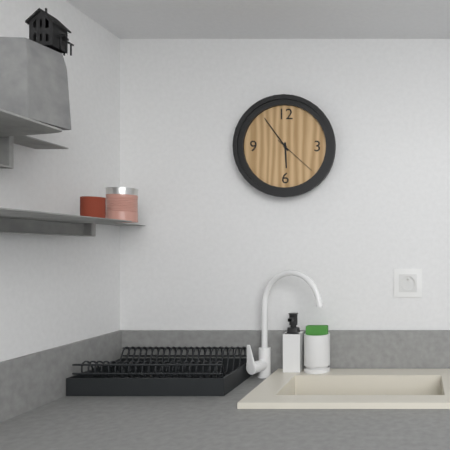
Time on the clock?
5:54
